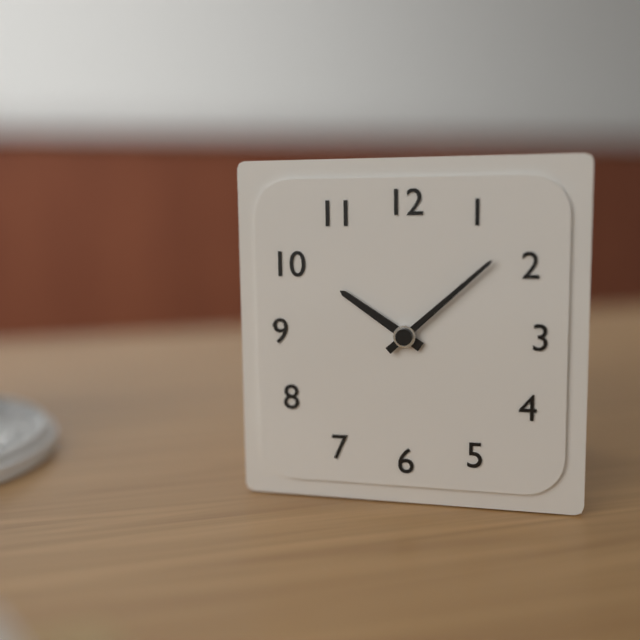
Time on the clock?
10:08
